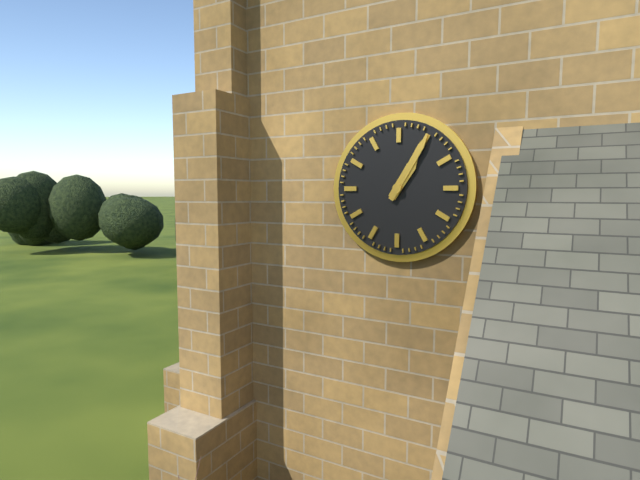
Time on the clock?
1:05
